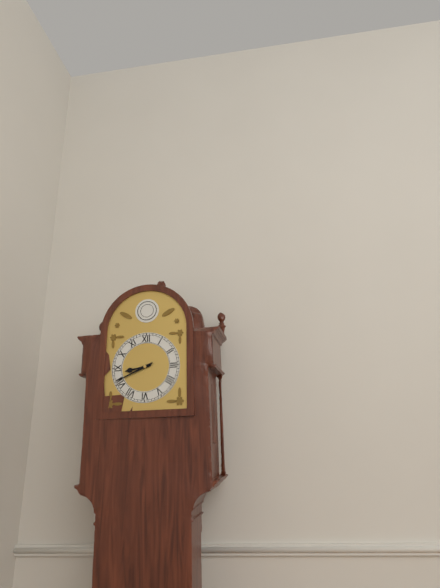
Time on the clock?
8:41
